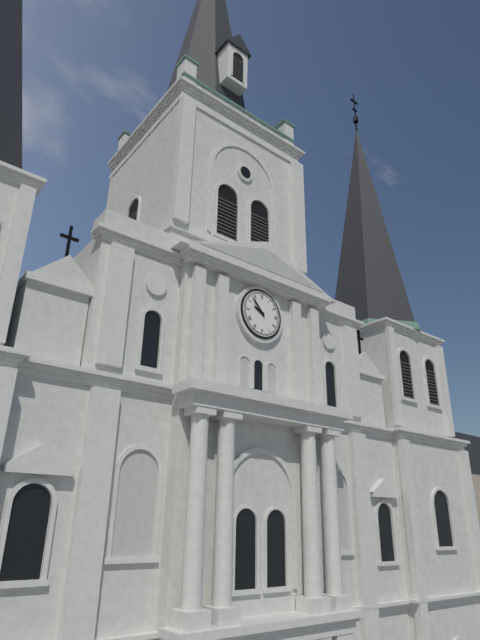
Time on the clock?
9:53
